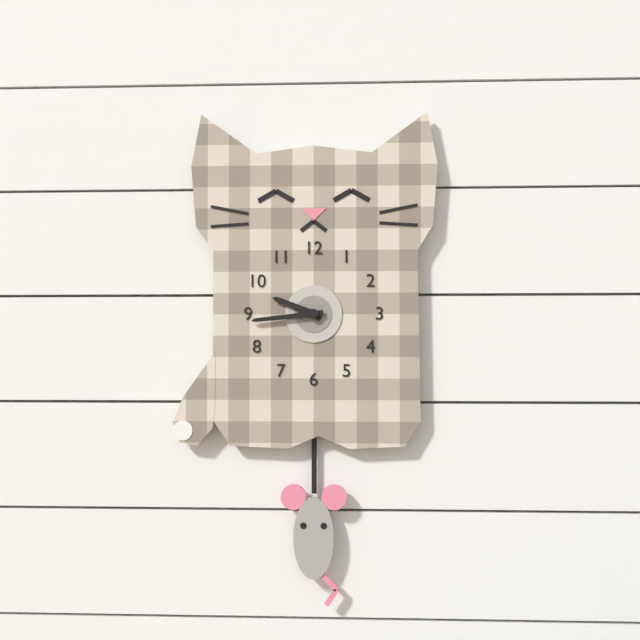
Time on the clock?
9:44
